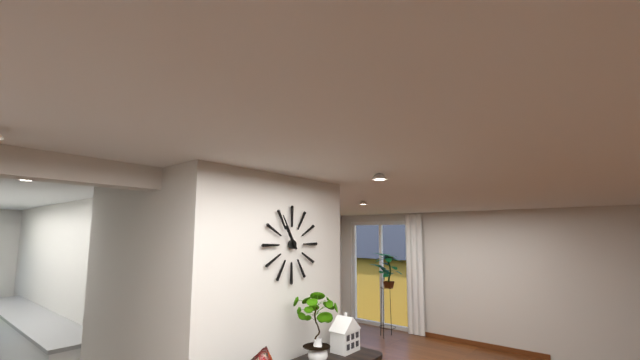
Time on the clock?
10:55
